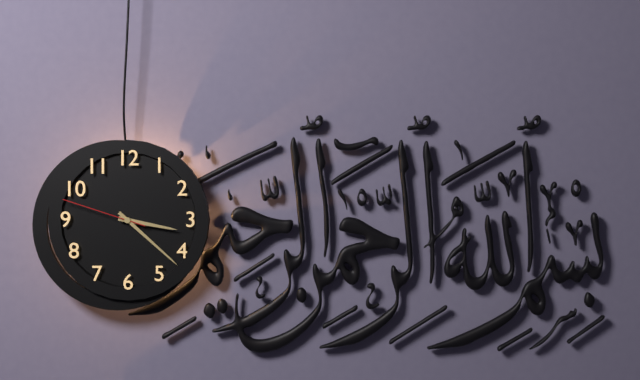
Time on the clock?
3:22:48
